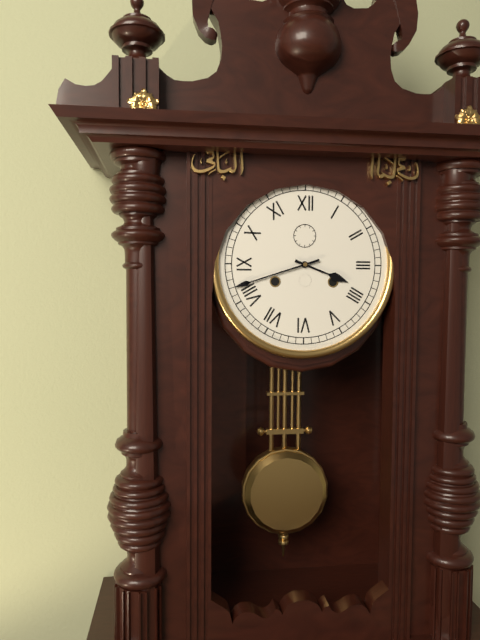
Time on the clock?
3:42
